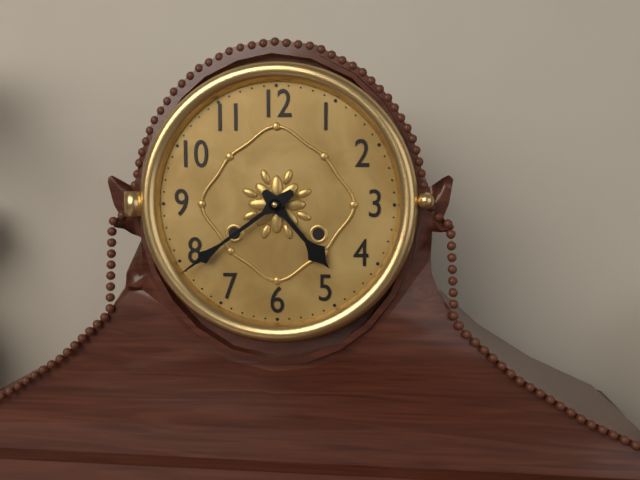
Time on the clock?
4:39
